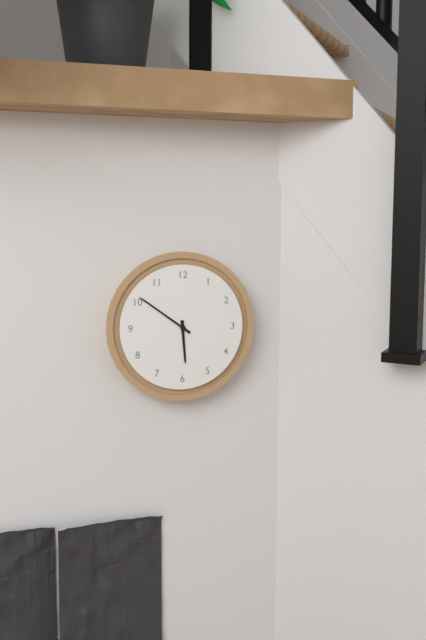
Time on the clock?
5:51
